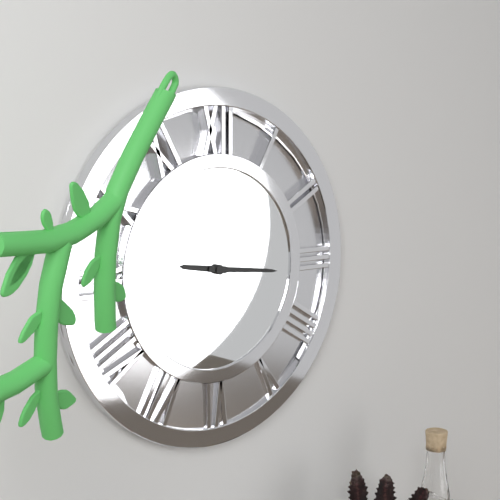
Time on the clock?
9:16
